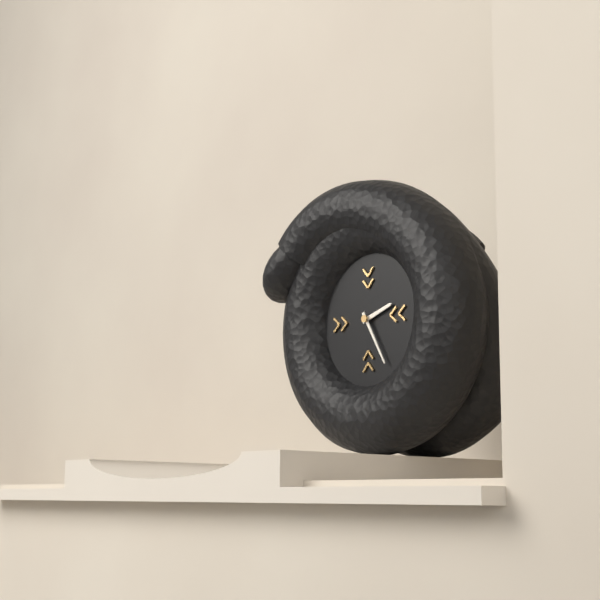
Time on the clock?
2:25
